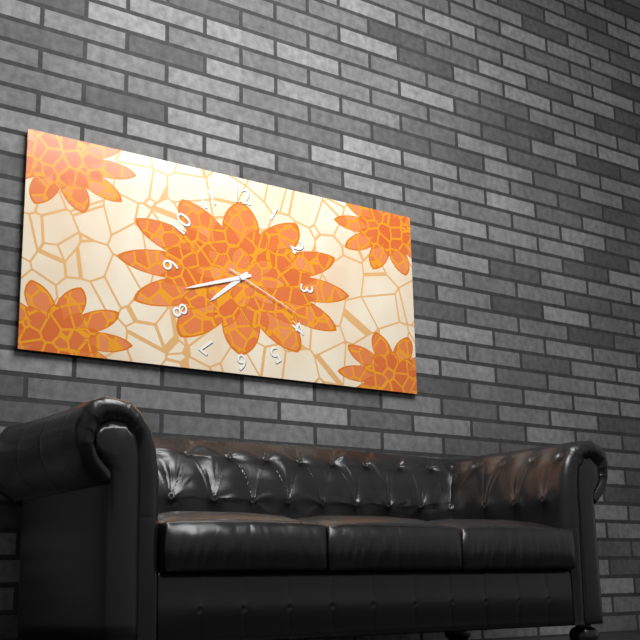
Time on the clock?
7:42:19
